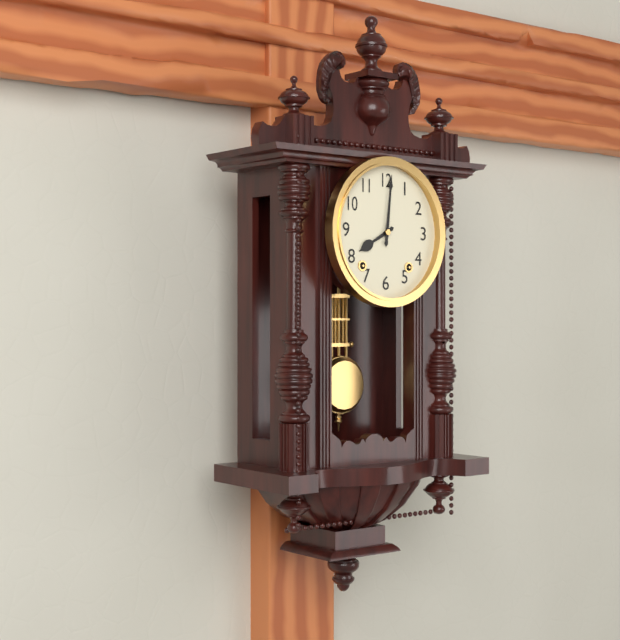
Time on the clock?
8:01
